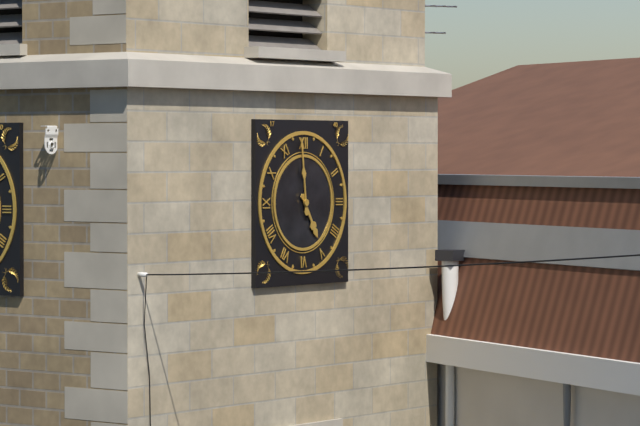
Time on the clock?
4:59
